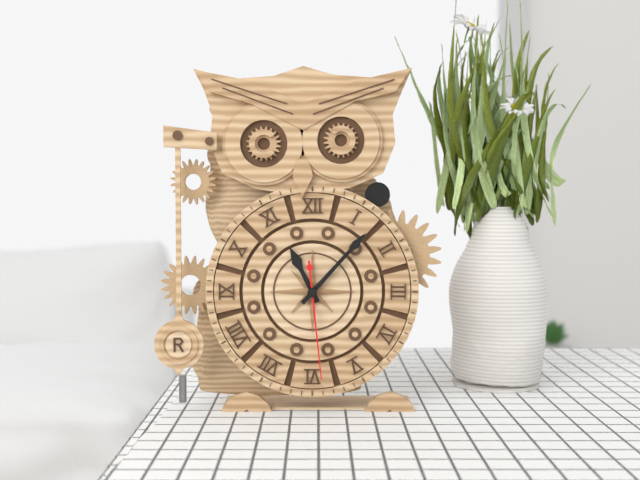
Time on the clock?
11:07:29
